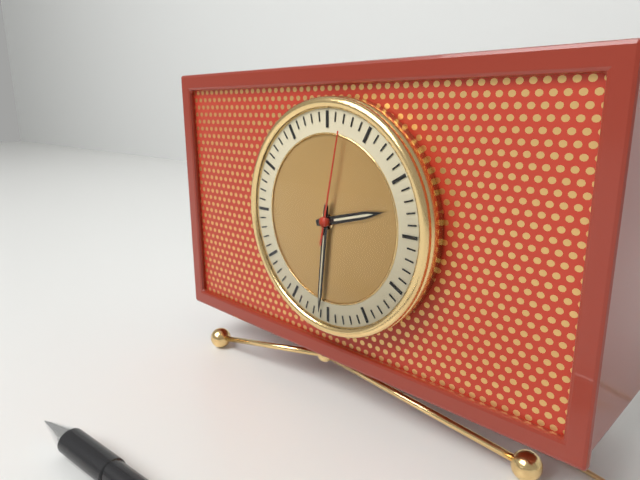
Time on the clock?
2:31:02
